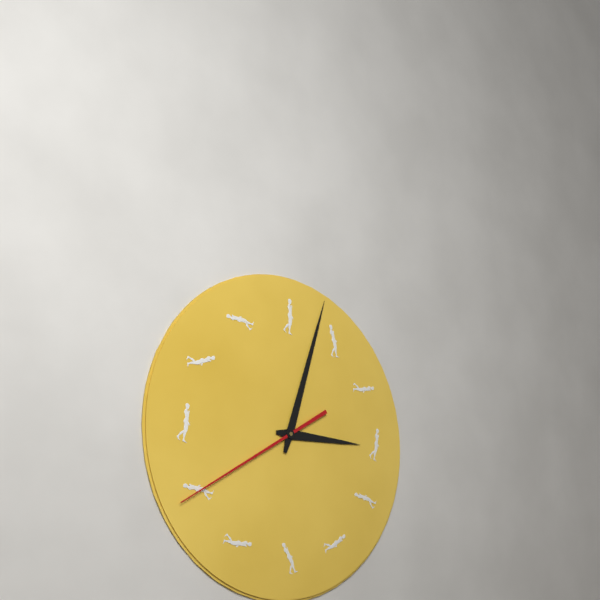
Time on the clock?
3:03:40
